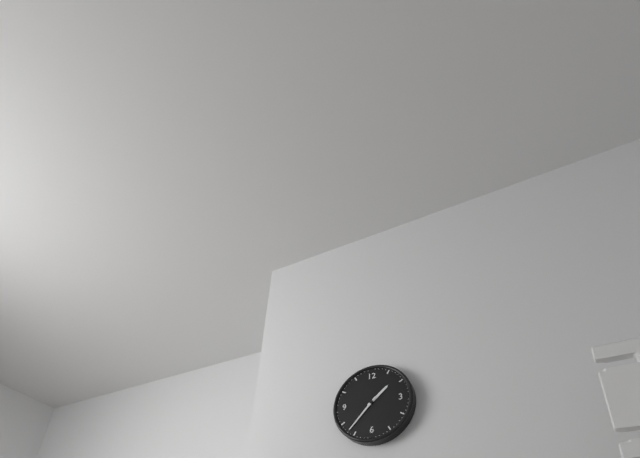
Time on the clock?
1:37
